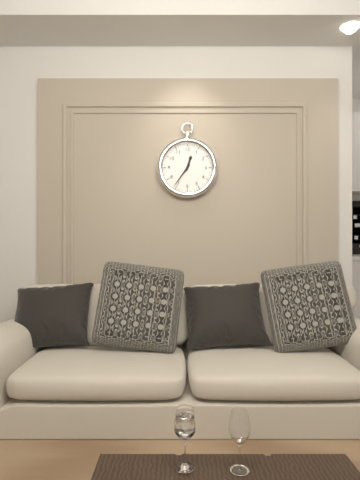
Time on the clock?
12:36
